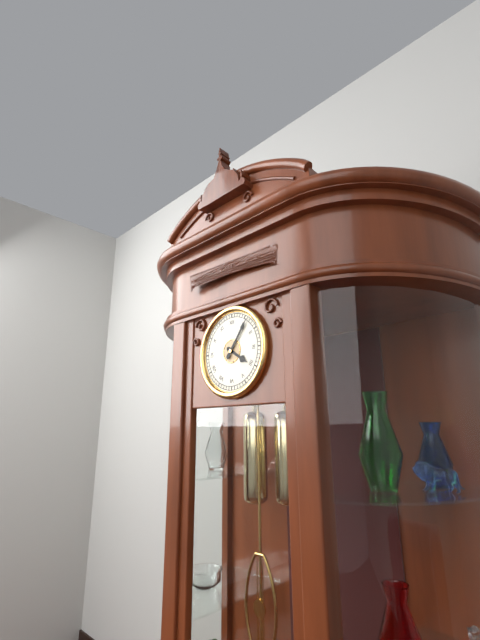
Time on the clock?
4:06
